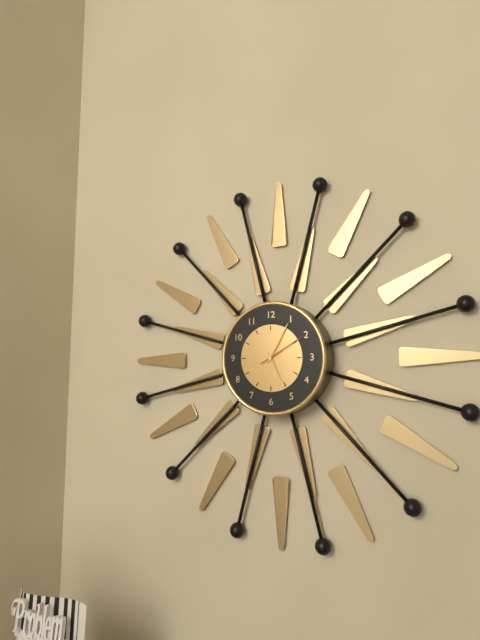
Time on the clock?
5:05:10
